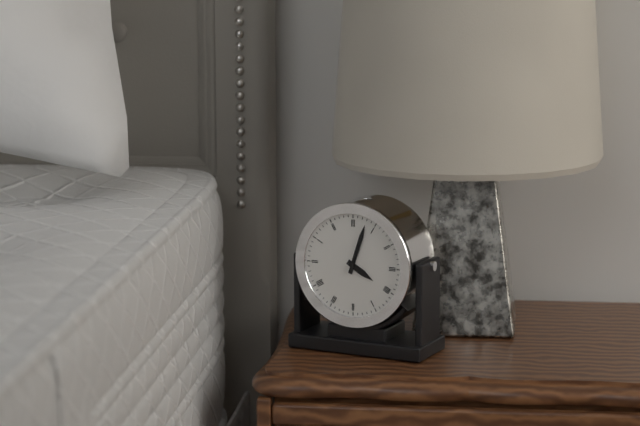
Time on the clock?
4:03
